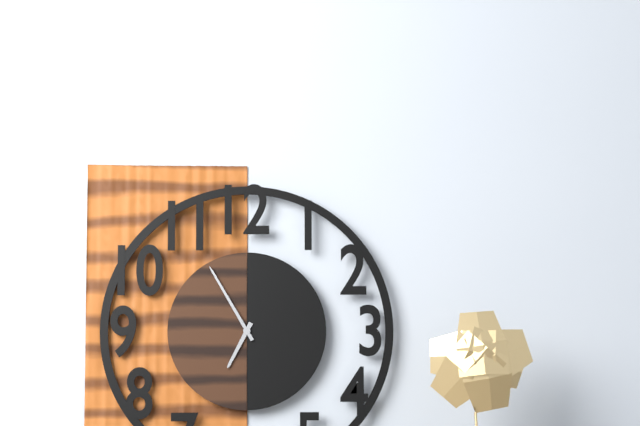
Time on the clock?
6:55
